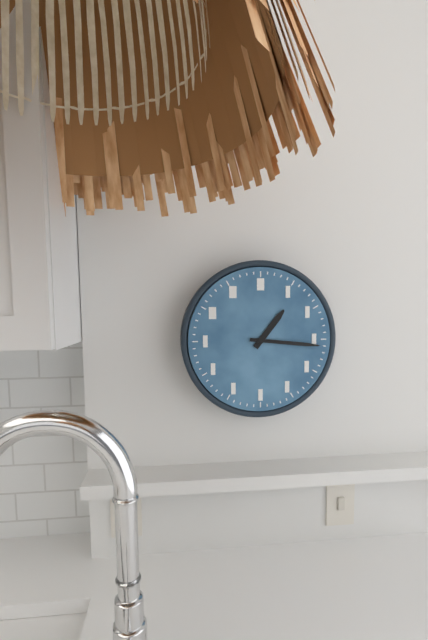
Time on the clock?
1:16
